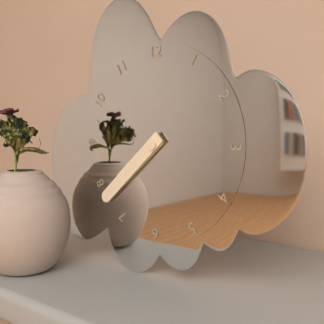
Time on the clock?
7:38
